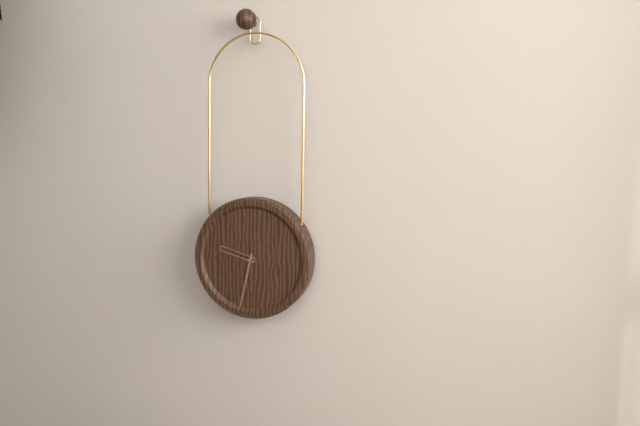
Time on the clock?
9:32
